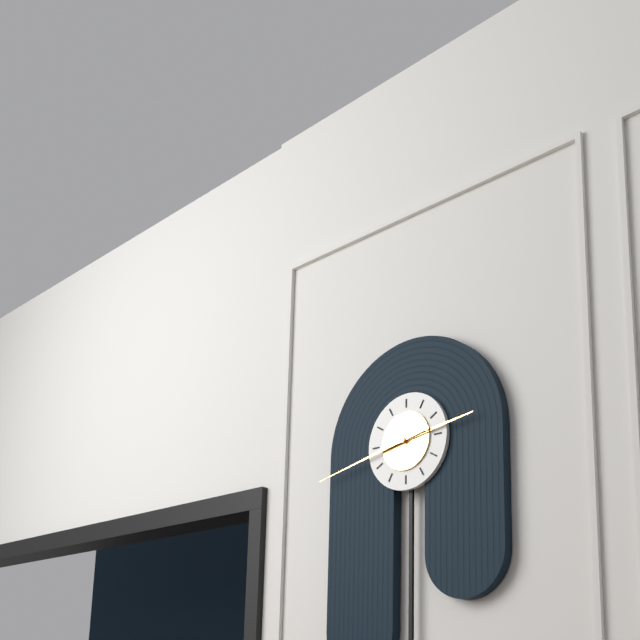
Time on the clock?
2:43
